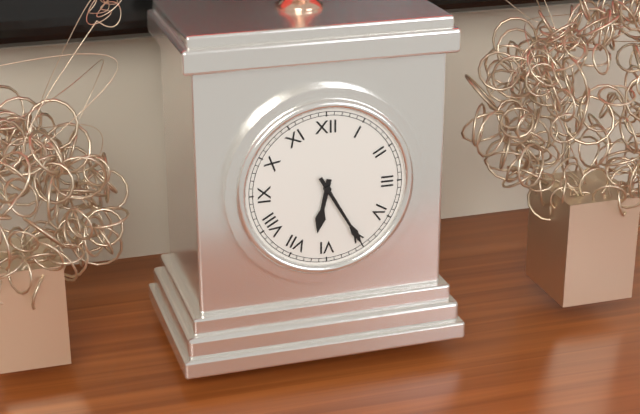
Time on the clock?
6:25
